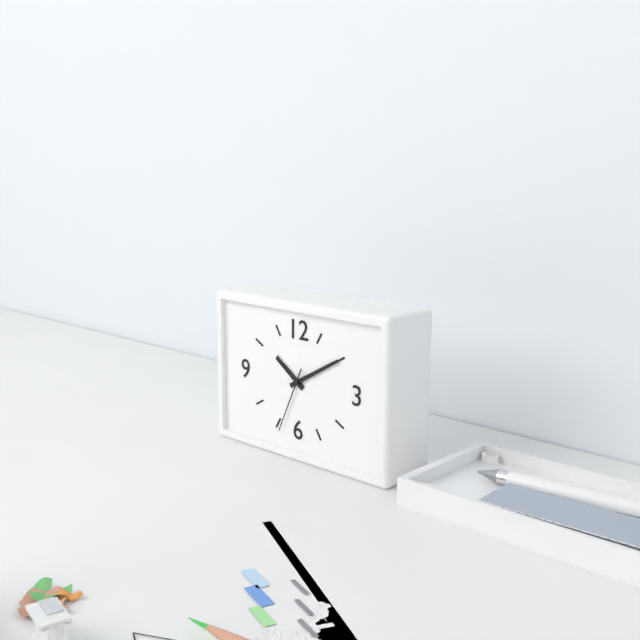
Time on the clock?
10:10:34
